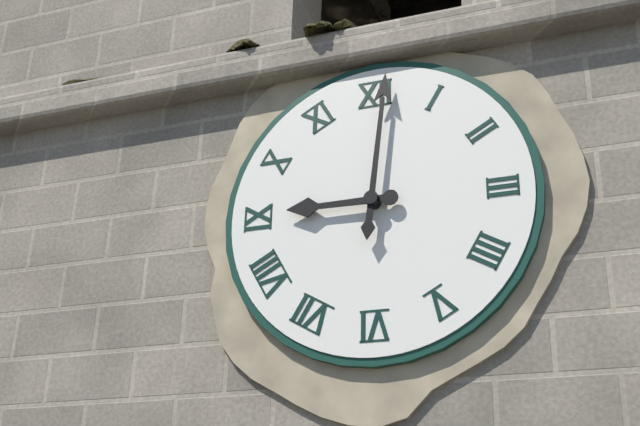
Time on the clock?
9:01
